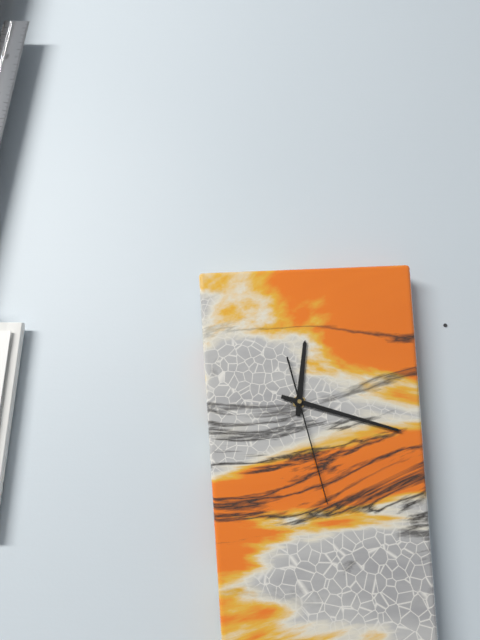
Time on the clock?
12:18:28
